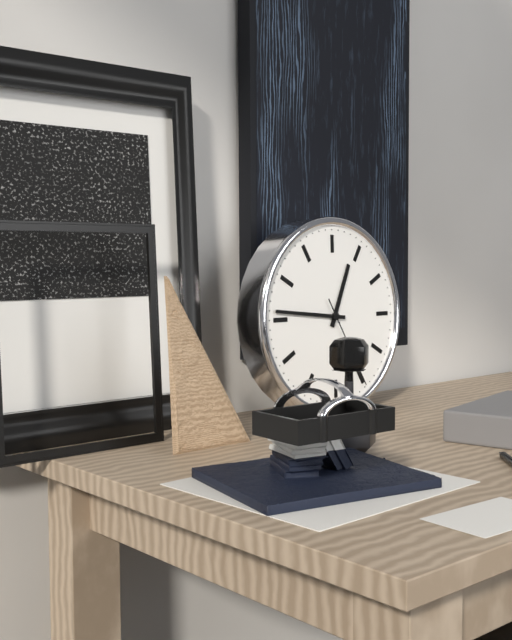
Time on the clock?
12:46:25
